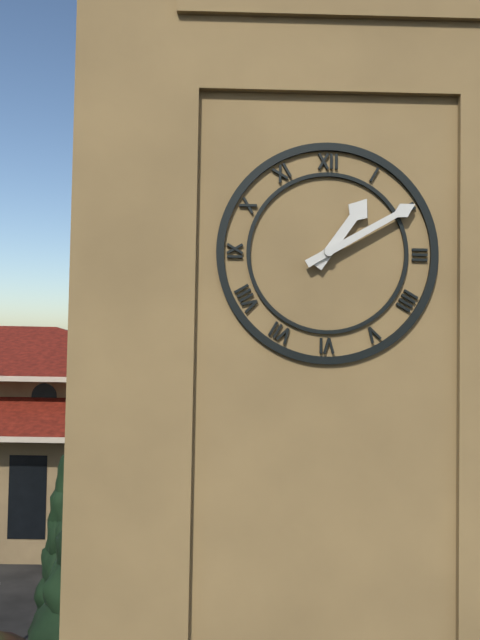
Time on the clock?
1:10
